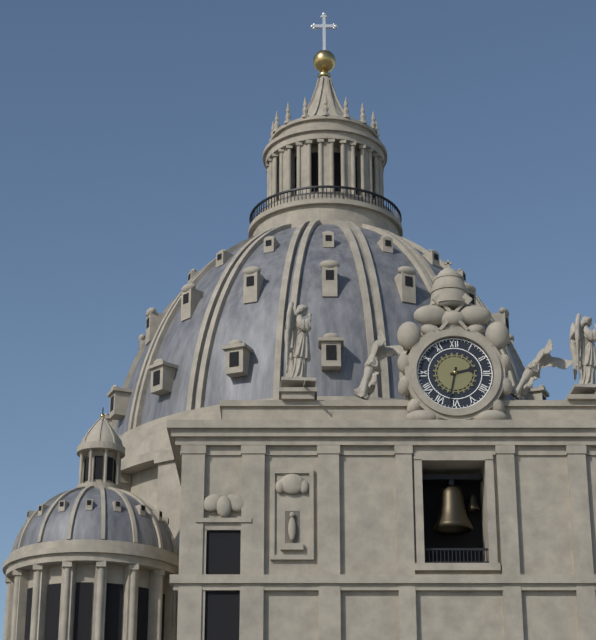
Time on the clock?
2:32
